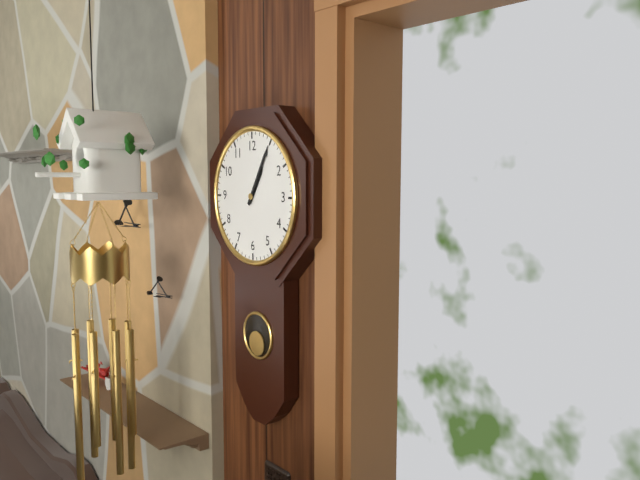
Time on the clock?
1:05
